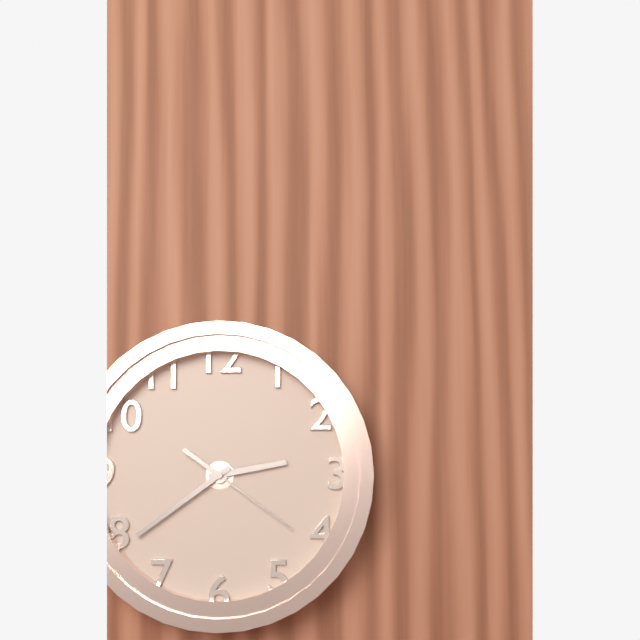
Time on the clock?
2:39:21
